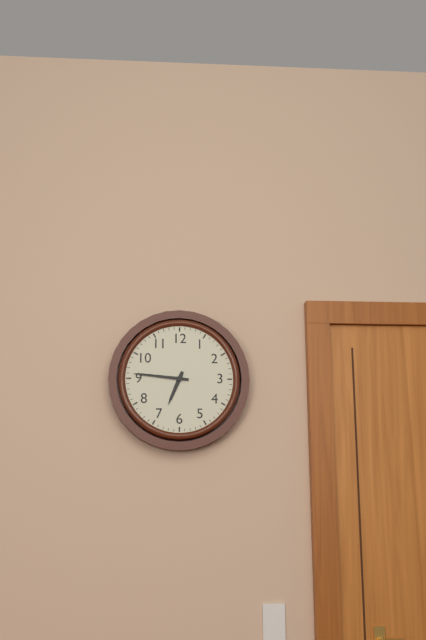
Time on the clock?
6:46
